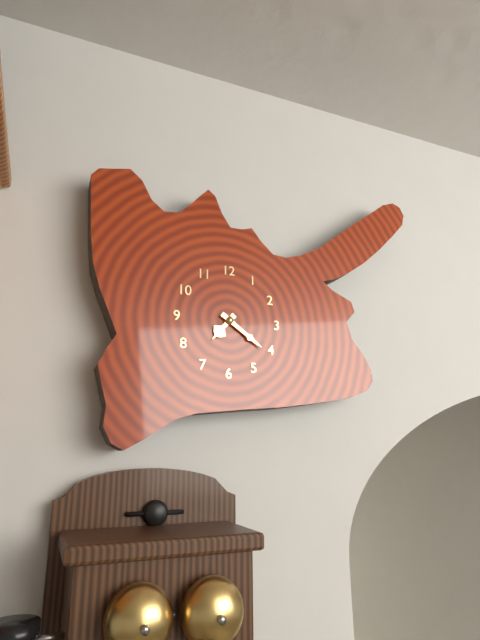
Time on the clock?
7:21
